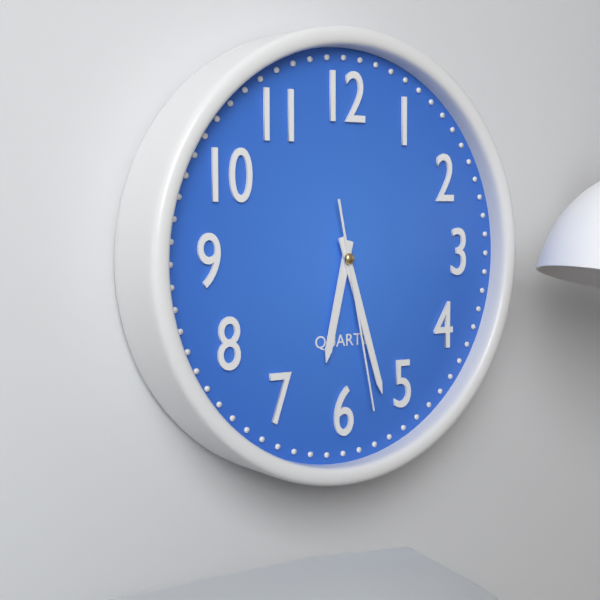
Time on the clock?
6:27:28
